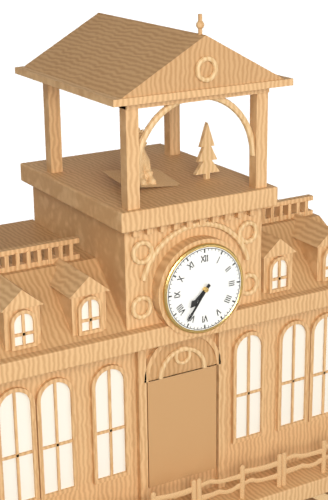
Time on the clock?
7:36
